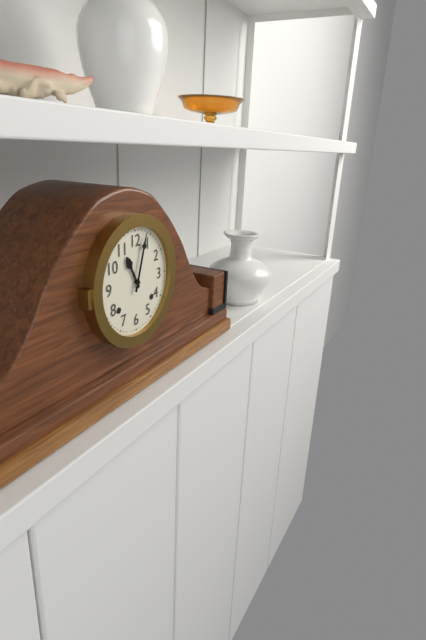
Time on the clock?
11:03
